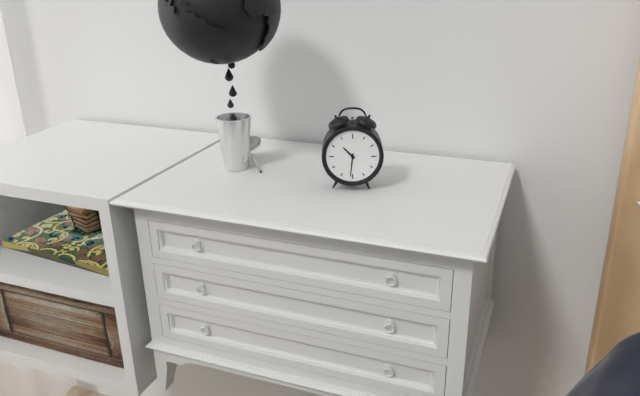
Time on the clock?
10:31
